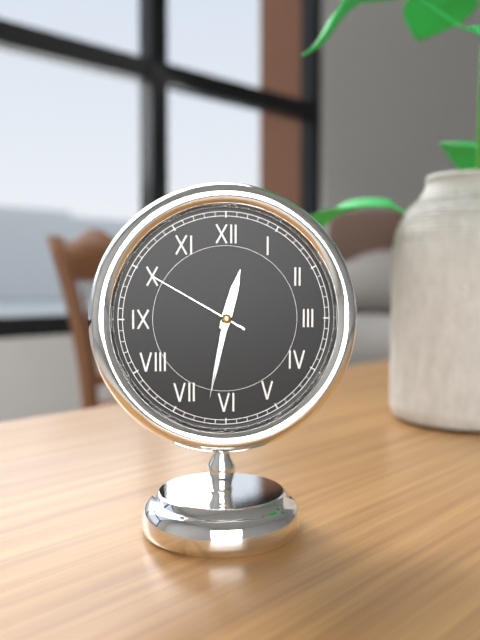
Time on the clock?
12:32:50
